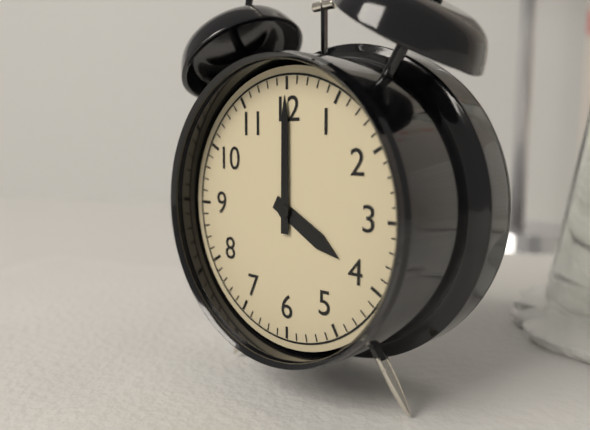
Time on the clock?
4:00
